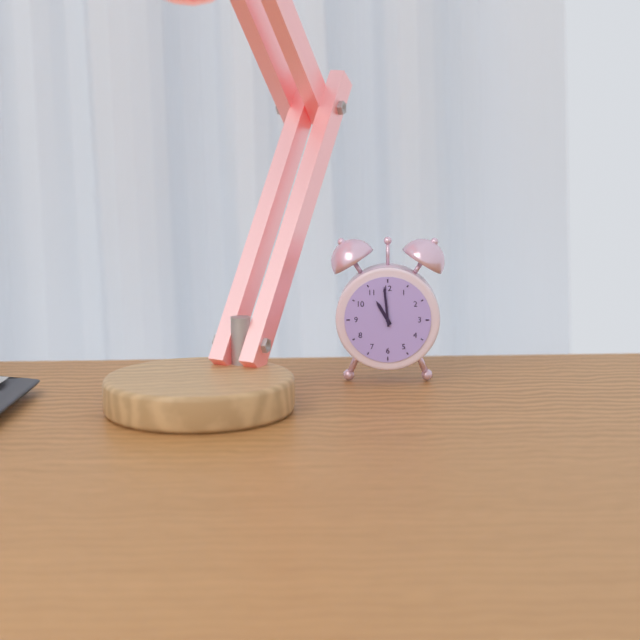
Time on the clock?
10:59
